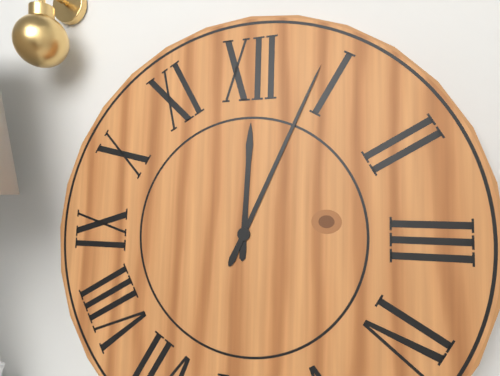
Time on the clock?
12:04
